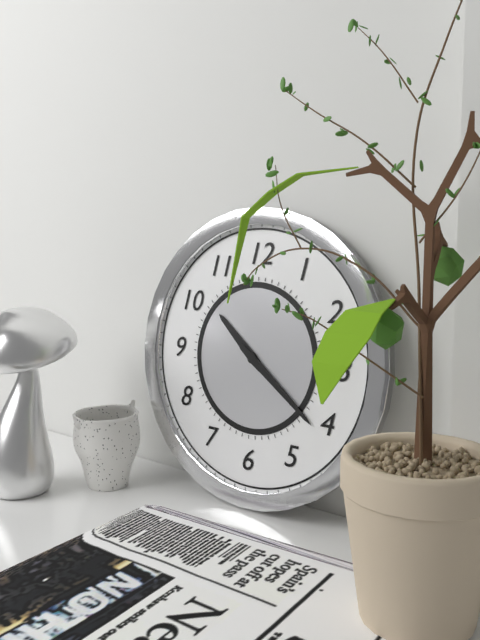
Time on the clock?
10:21
